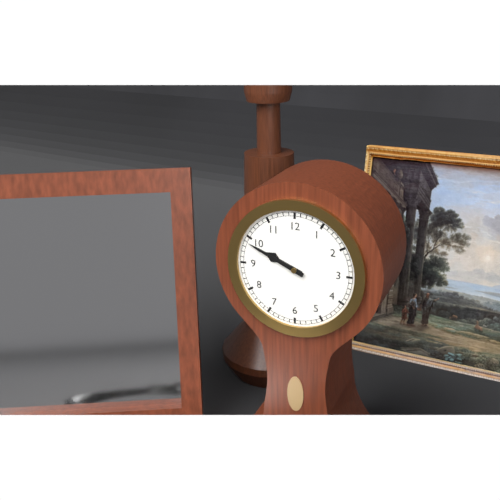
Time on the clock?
9:49
